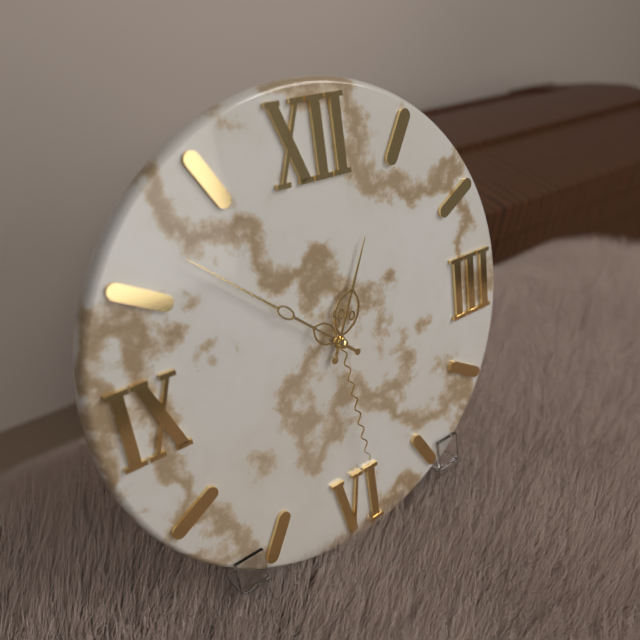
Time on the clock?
12:52:29
